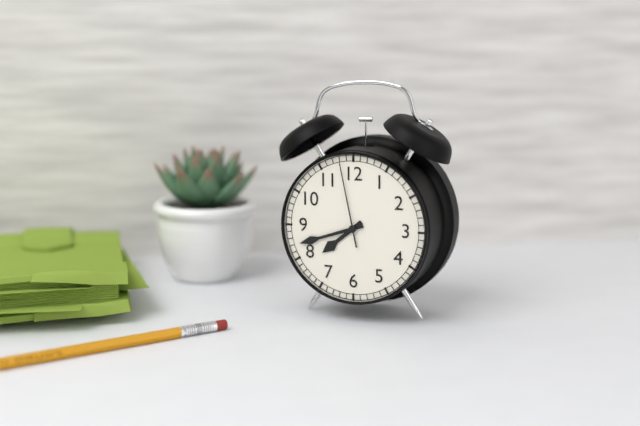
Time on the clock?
7:42:58
